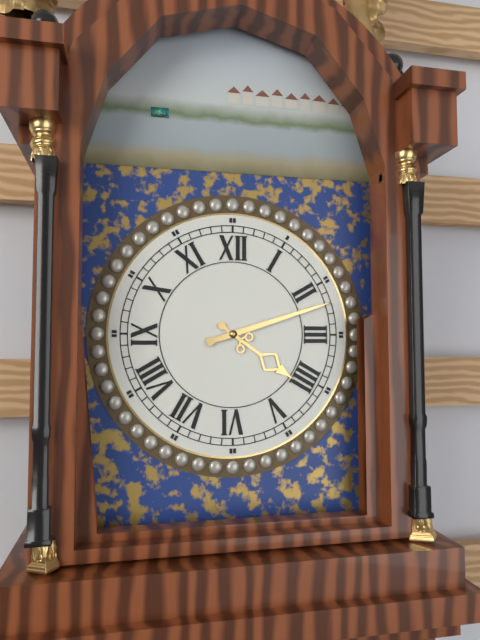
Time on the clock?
4:12
